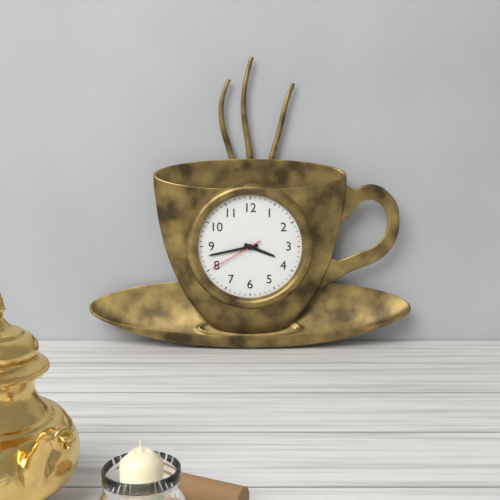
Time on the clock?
3:43:40
